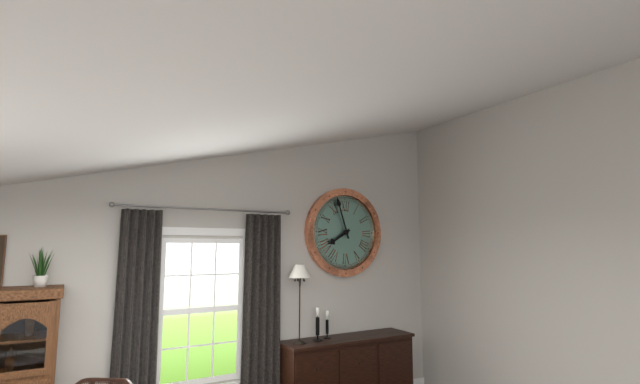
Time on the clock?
7:57
